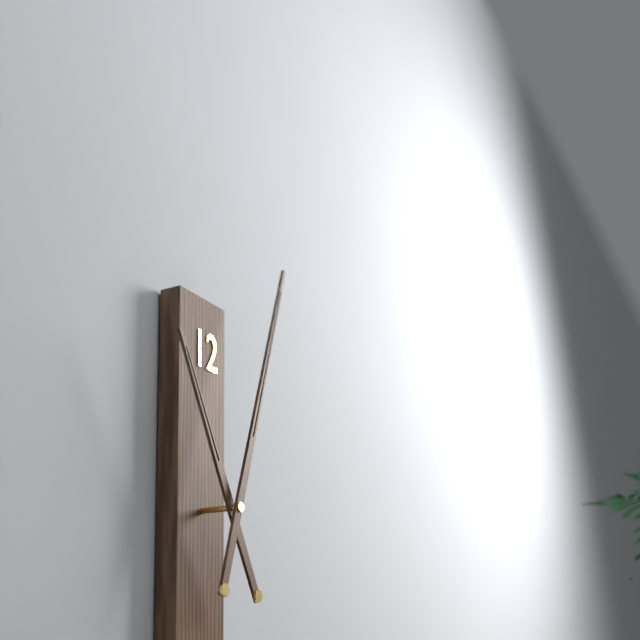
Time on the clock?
11:03
